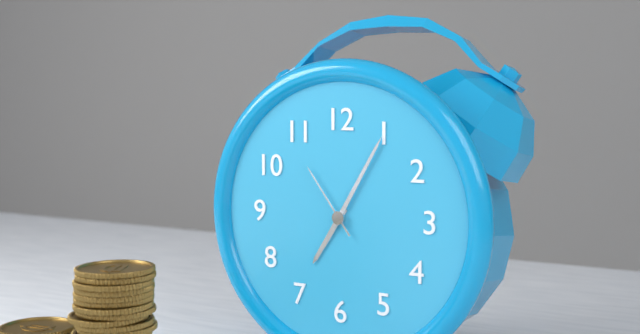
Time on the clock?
7:05:54
